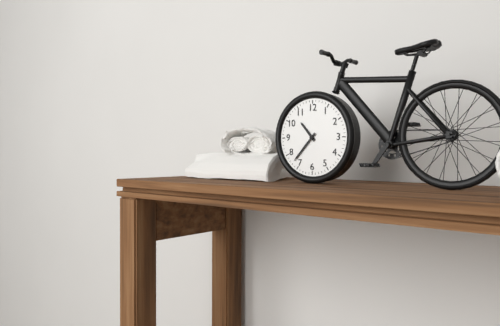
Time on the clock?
10:37
